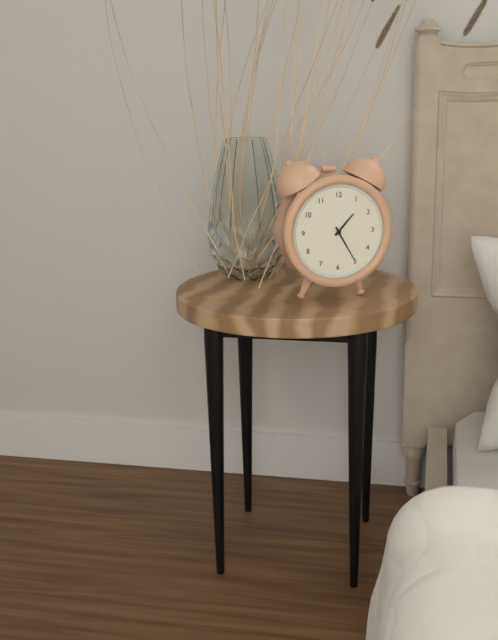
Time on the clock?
1:25
